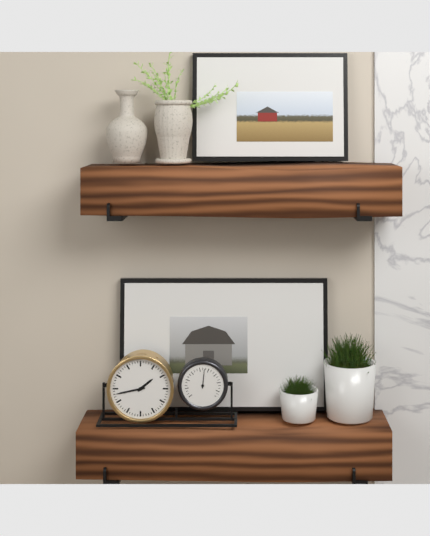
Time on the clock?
1:43
